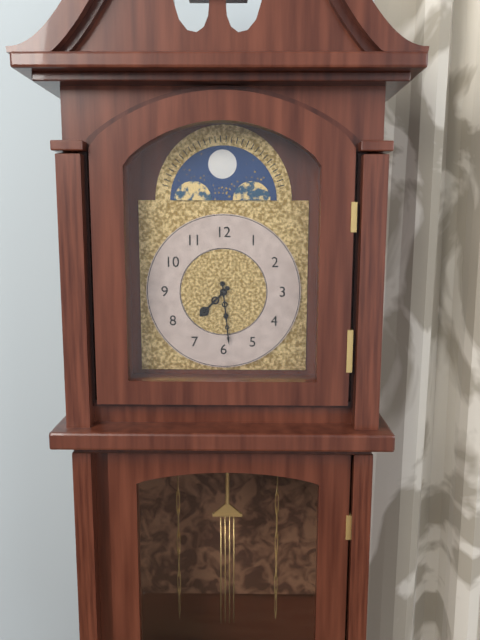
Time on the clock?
7:29
